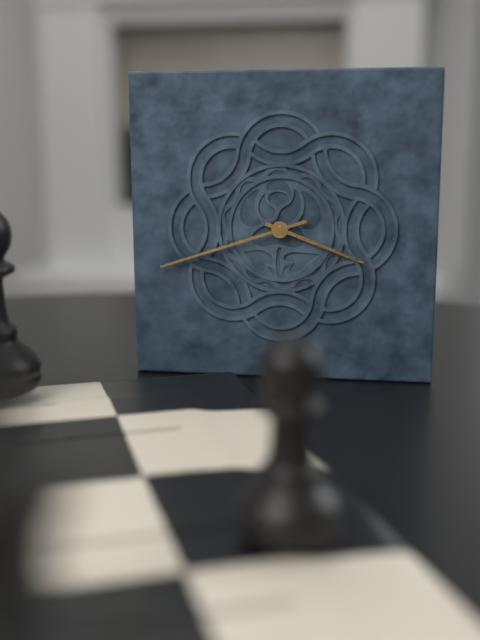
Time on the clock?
3:42
